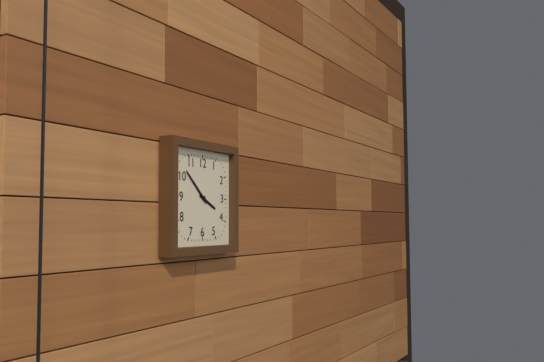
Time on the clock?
3:52
